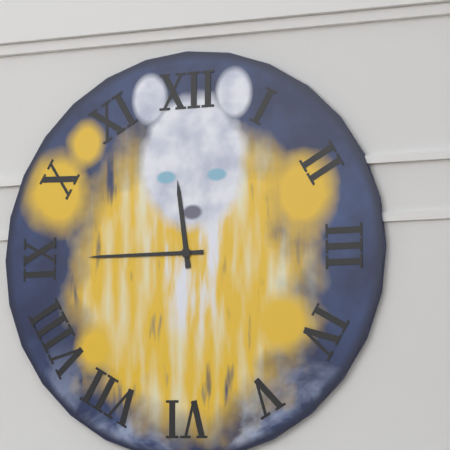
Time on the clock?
11:45
